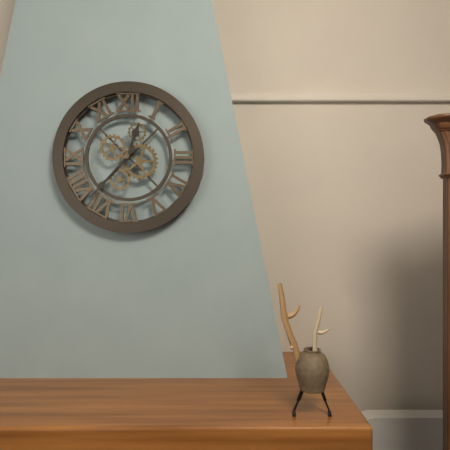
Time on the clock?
12:37
